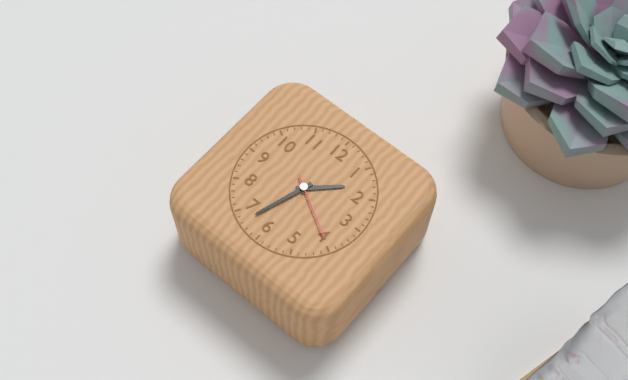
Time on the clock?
1:33:20
